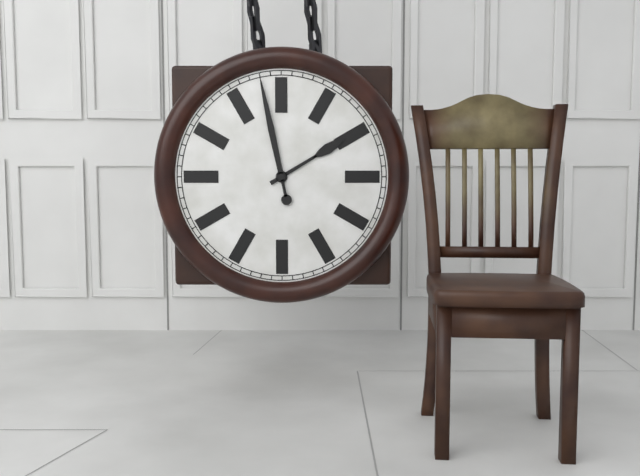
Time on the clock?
1:58
